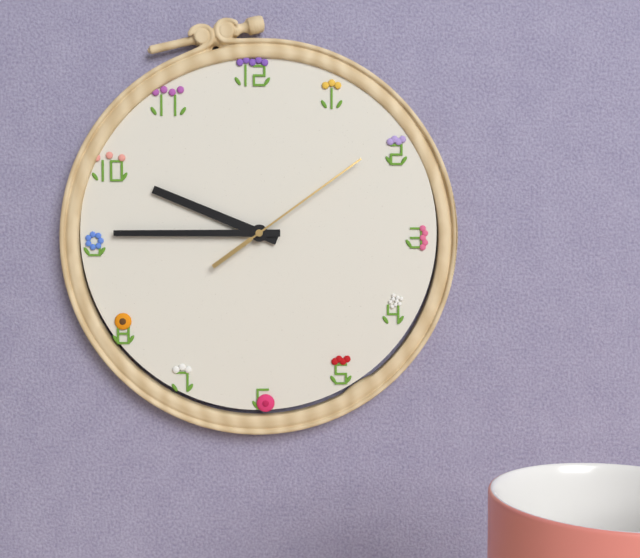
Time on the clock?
9:45:09
